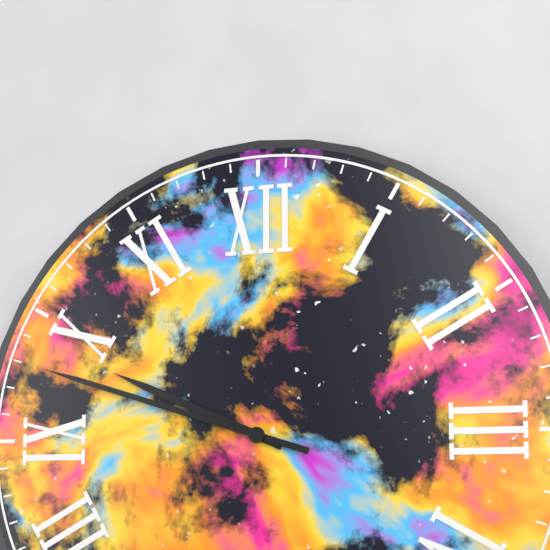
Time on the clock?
9:48
